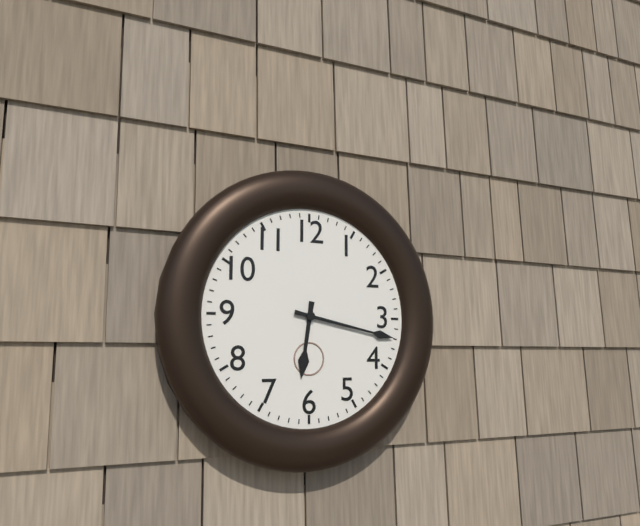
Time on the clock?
6:17
